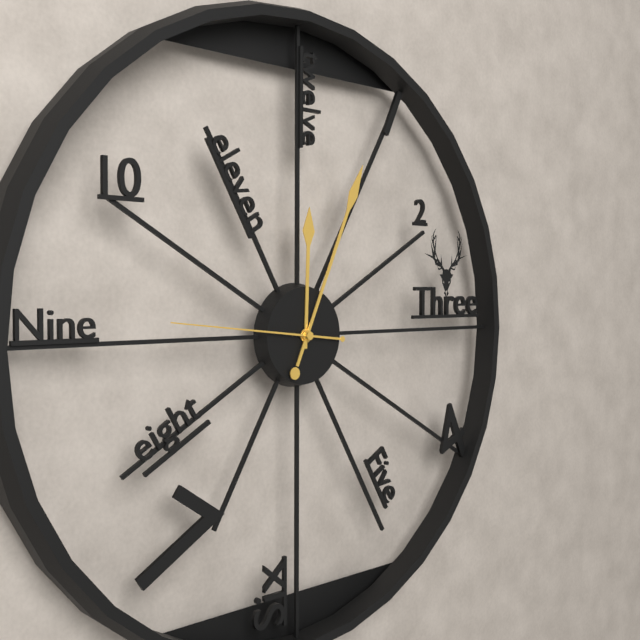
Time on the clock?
12:04:46
